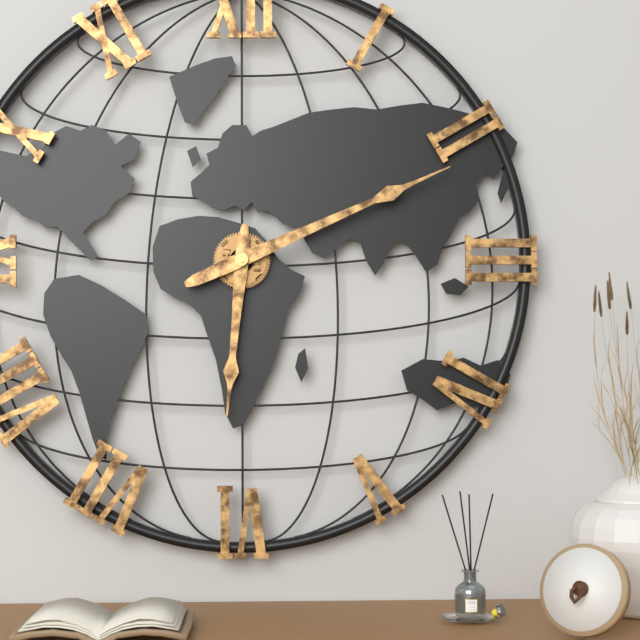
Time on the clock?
6:11
